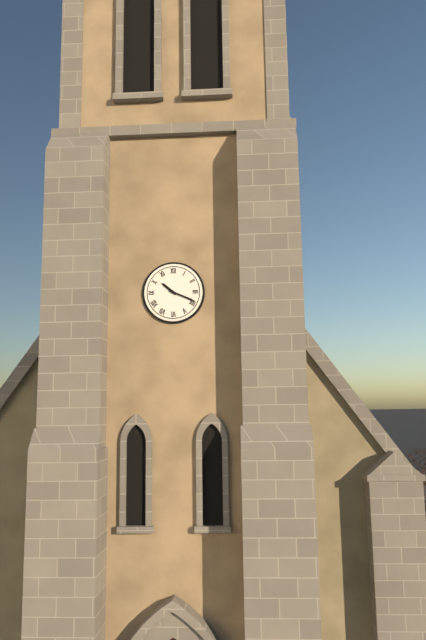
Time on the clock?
10:19
